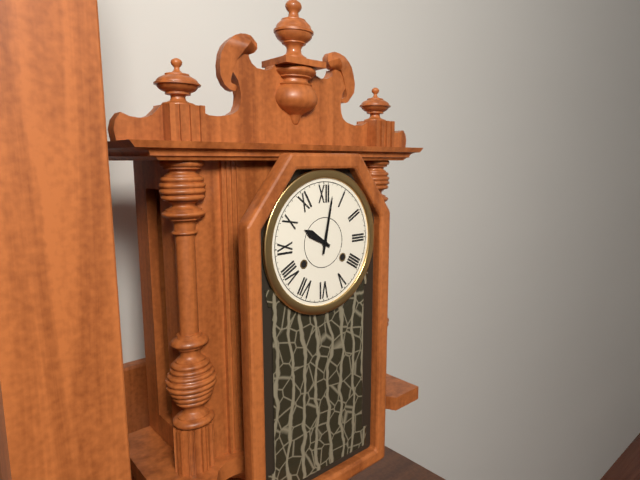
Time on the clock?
10:02
